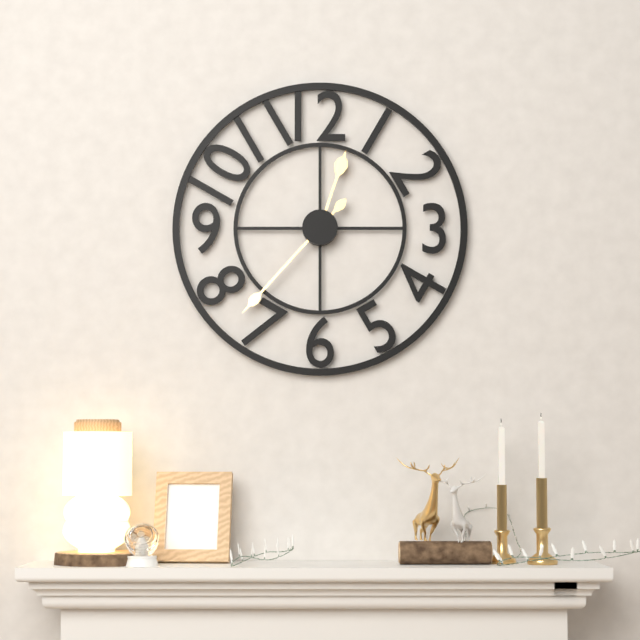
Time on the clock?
12:37
